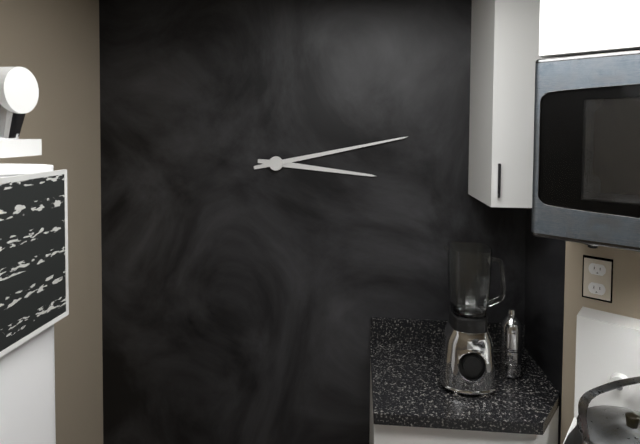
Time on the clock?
3:13
